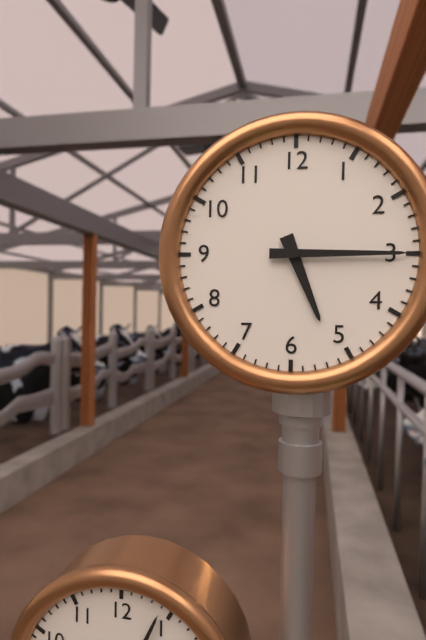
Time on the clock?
5:15
